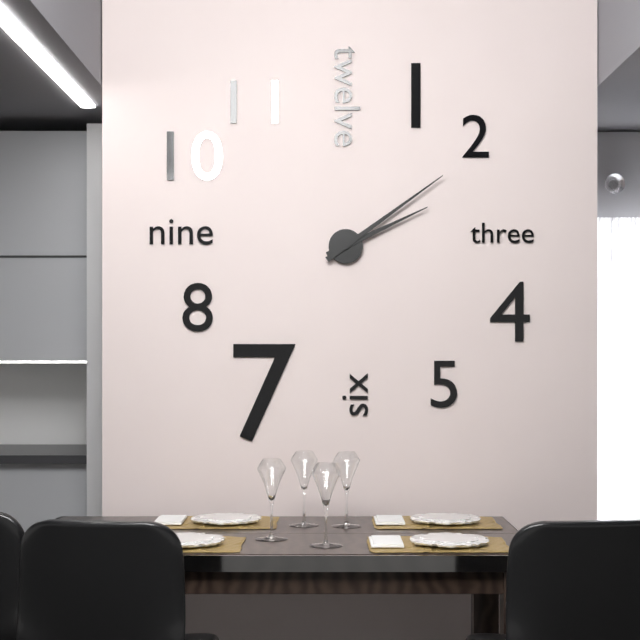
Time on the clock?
2:09
